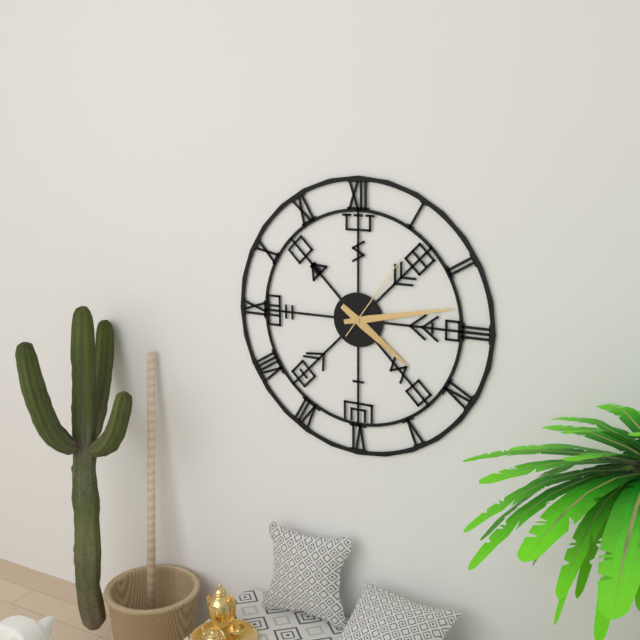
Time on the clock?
4:13:06
